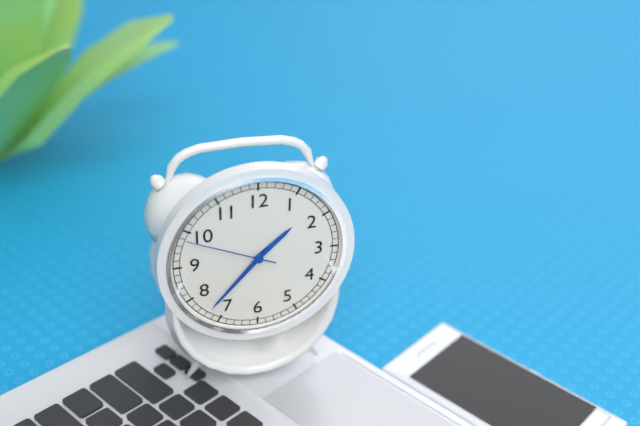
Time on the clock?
1:37:49
